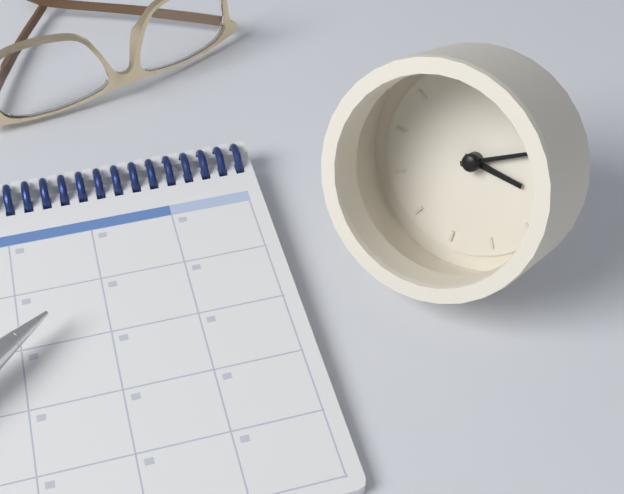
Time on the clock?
3:10
